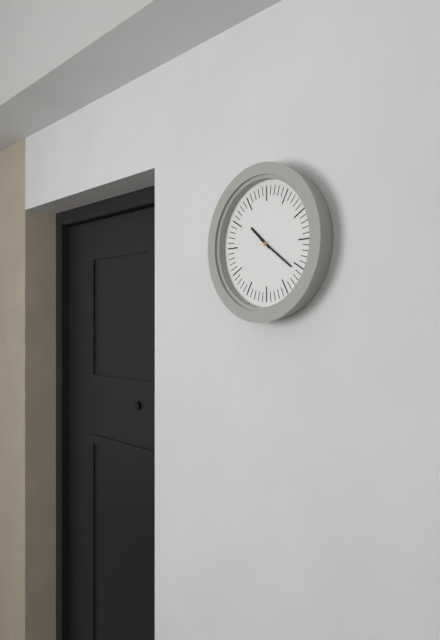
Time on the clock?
10:21
